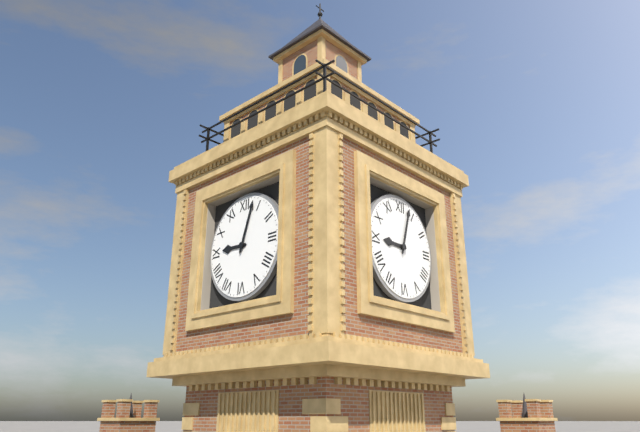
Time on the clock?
9:03
